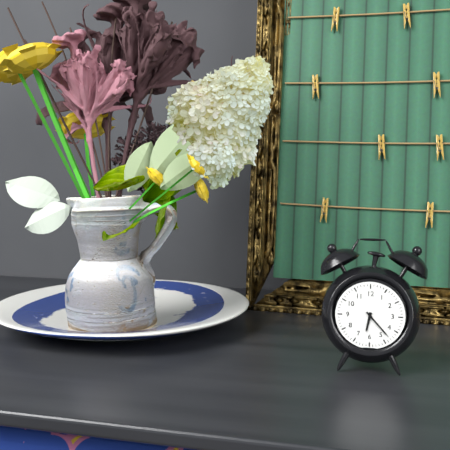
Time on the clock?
6:23
